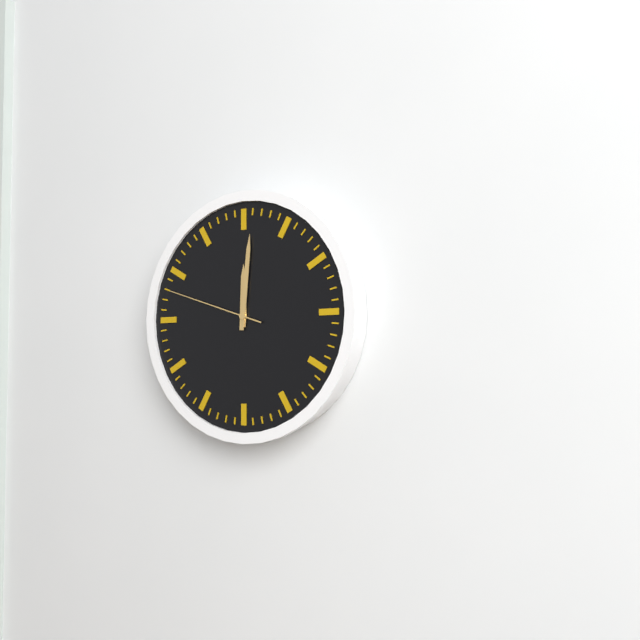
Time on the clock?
12:01:48
